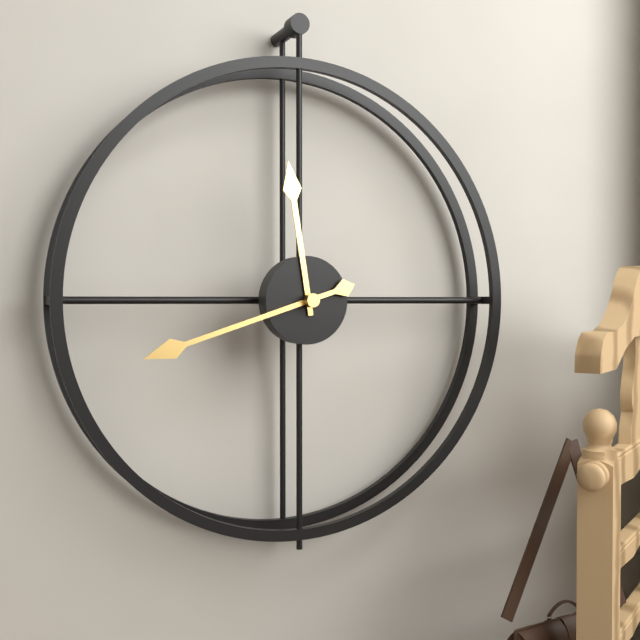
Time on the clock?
11:42
